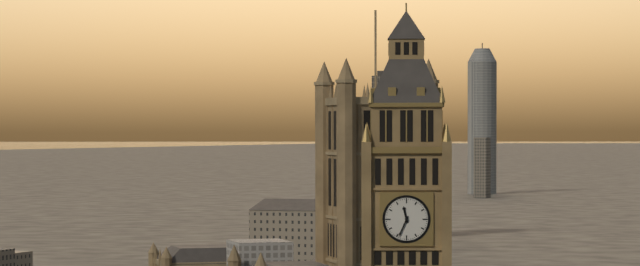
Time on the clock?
11:34
